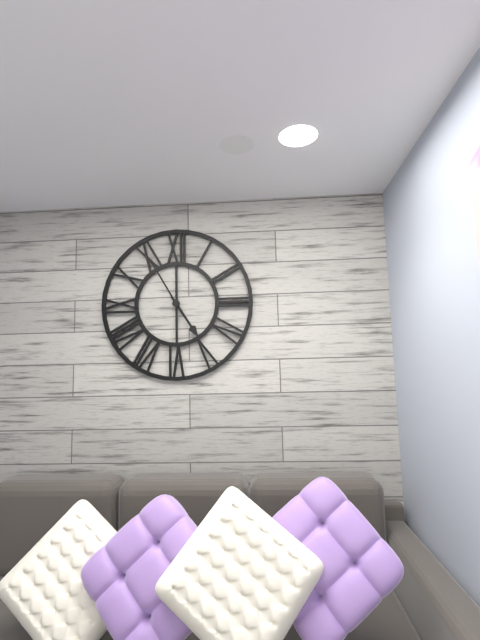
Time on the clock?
4:55
